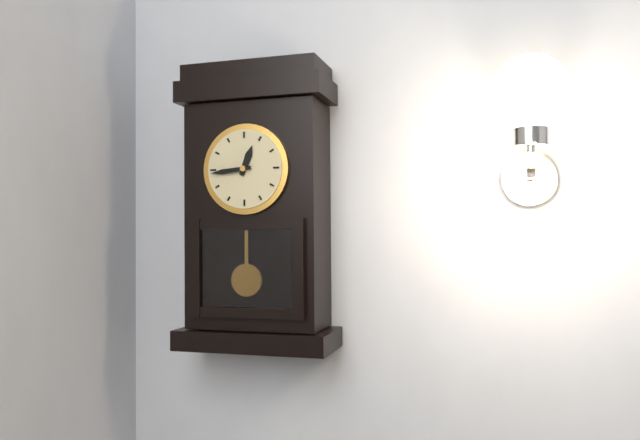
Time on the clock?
12:44
